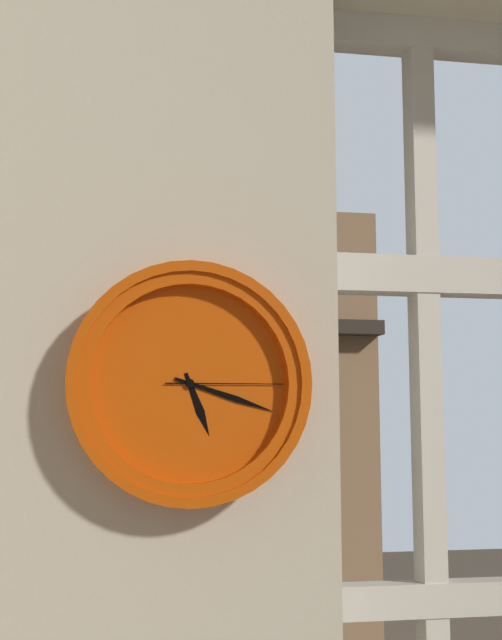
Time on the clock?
5:18:15
